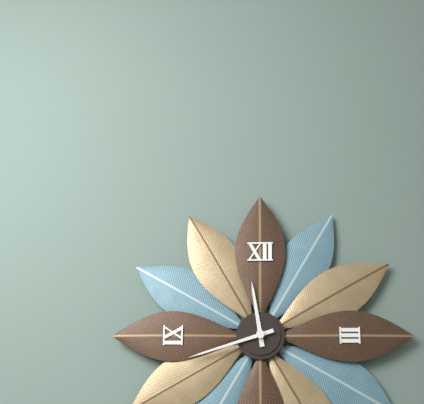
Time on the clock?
11:42
